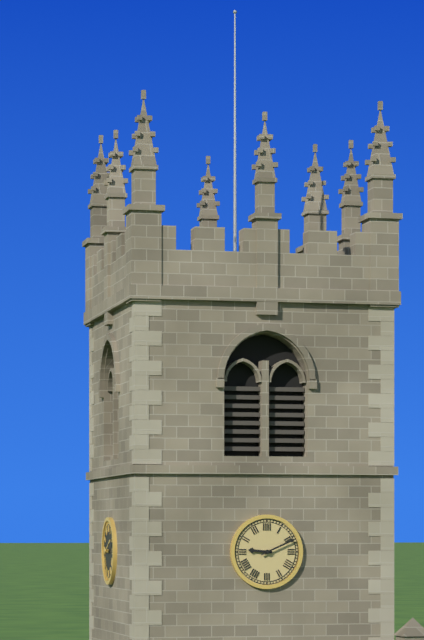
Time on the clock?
9:11
